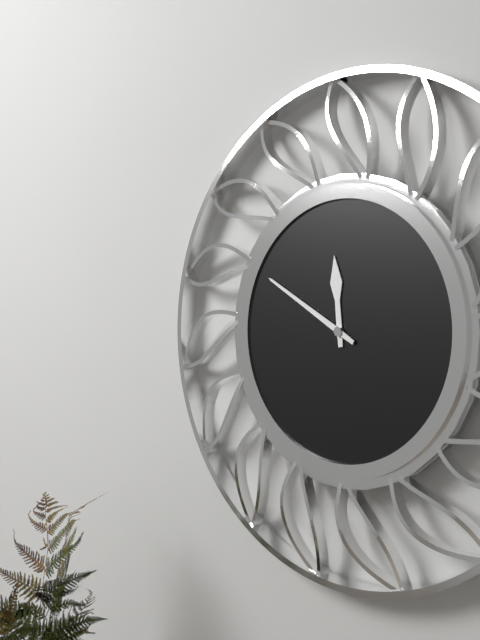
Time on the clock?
11:50
